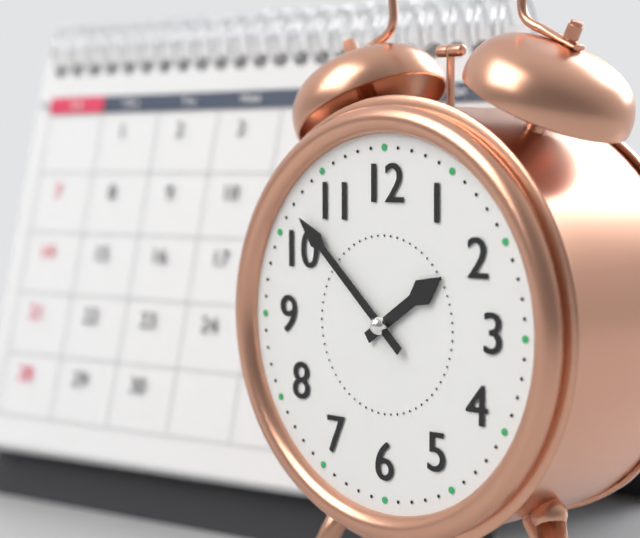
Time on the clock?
1:52
